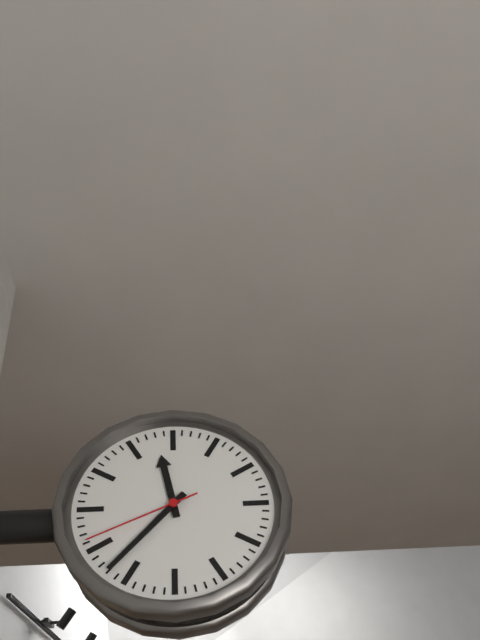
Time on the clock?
11:37:41
